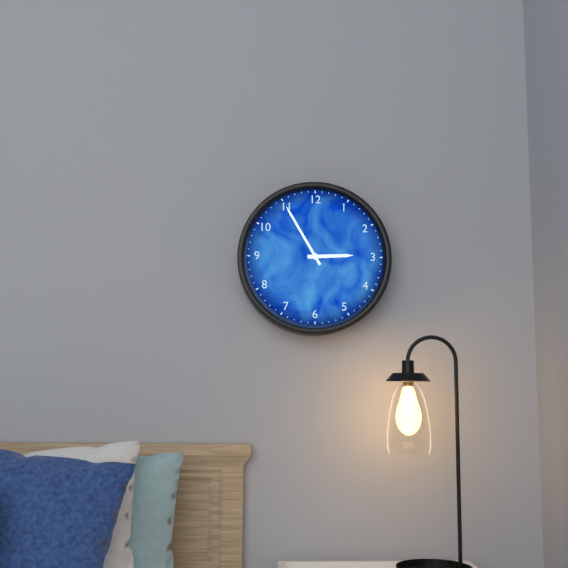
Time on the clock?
2:55
